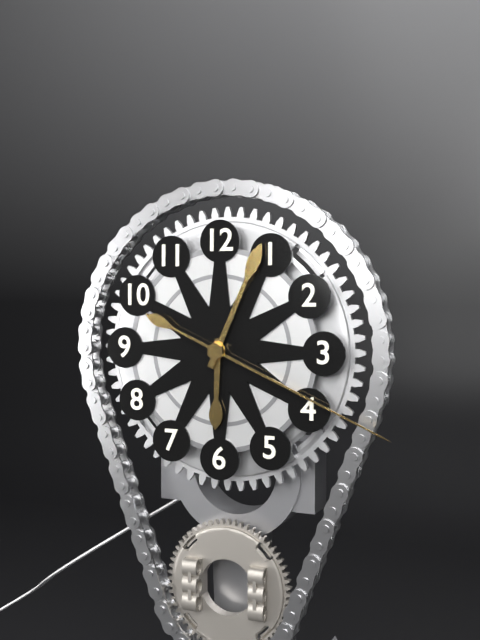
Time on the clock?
6:04:19
